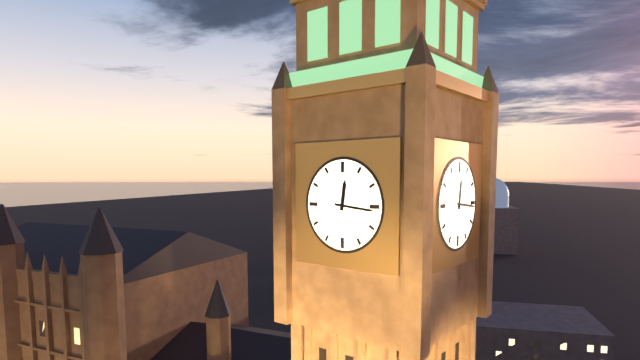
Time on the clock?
12:16
